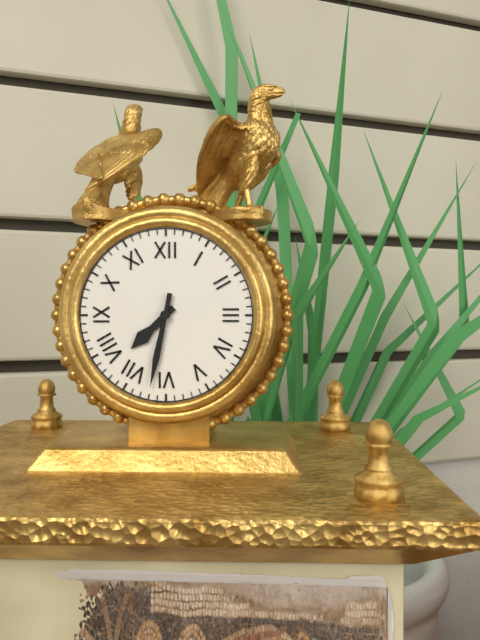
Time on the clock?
7:32
